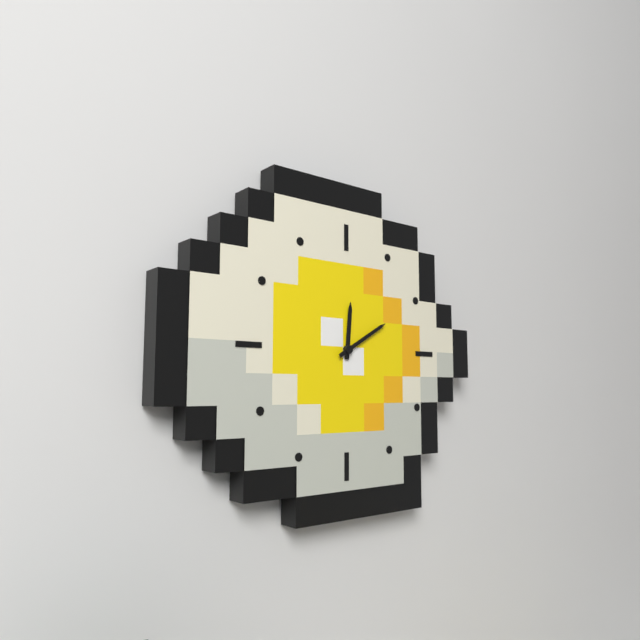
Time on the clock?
12:10
